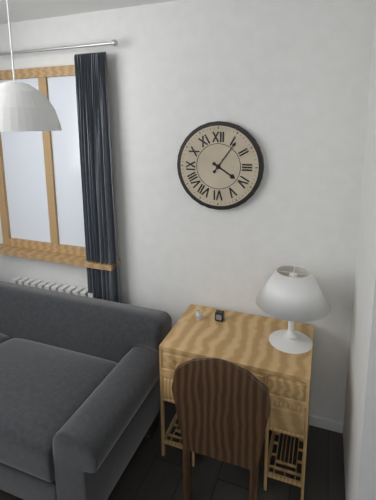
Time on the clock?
4:06
